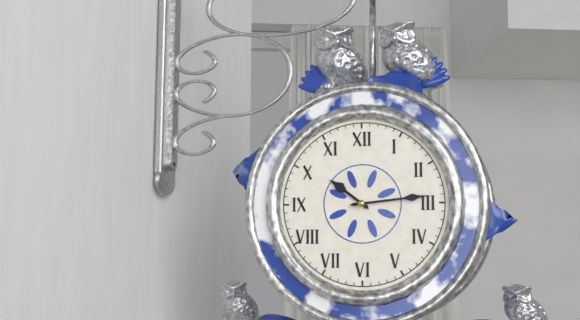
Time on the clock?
10:14
